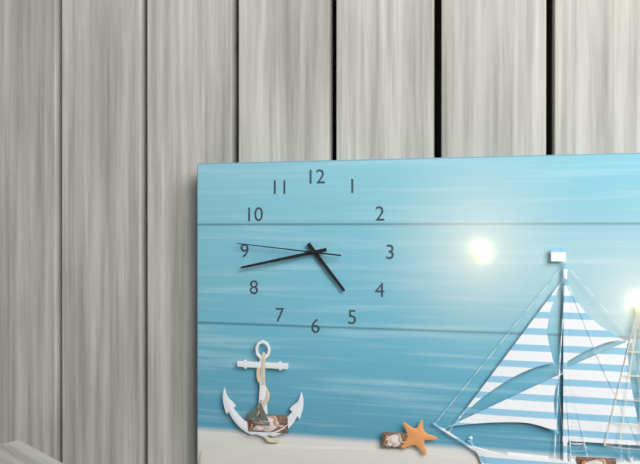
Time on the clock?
4:43:46
